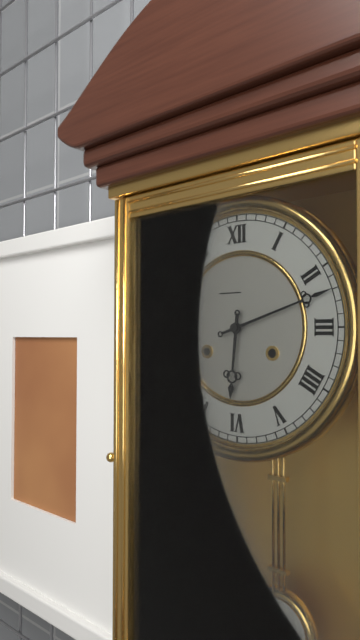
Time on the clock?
6:12
